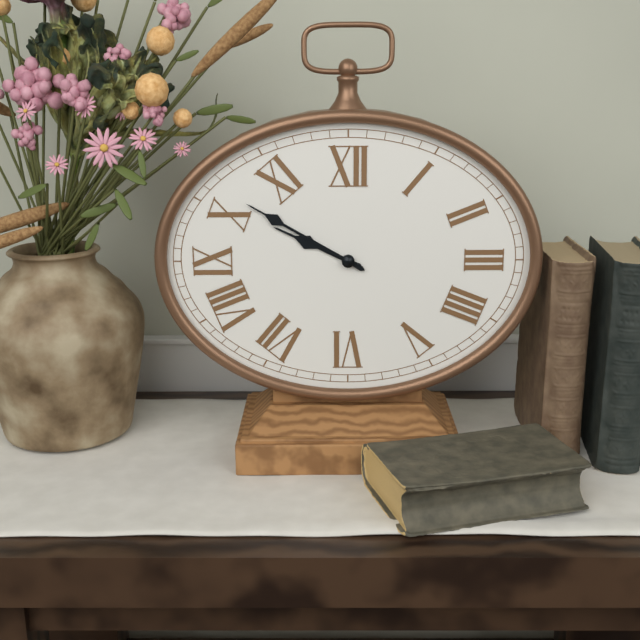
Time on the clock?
9:50
